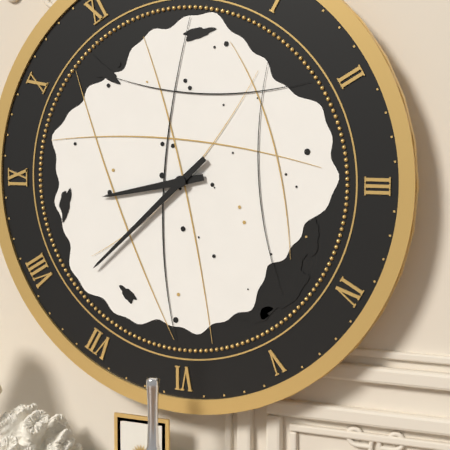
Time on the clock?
8:38
